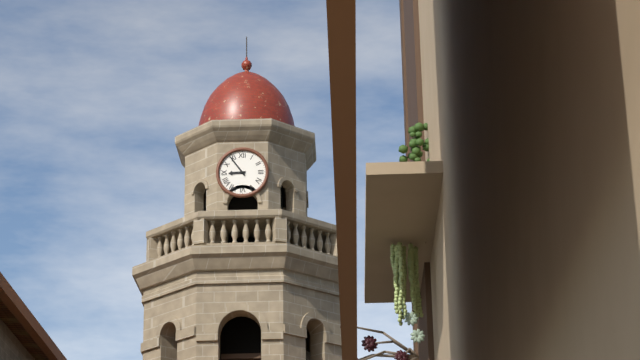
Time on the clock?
8:54
